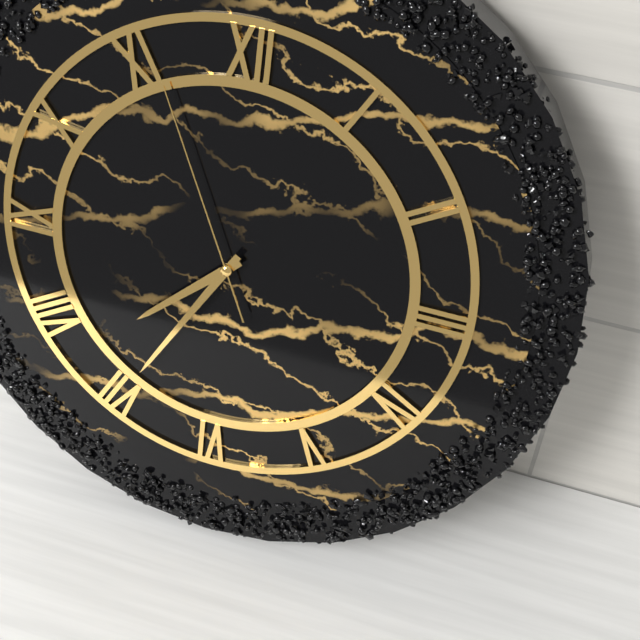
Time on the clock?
7:35:56
